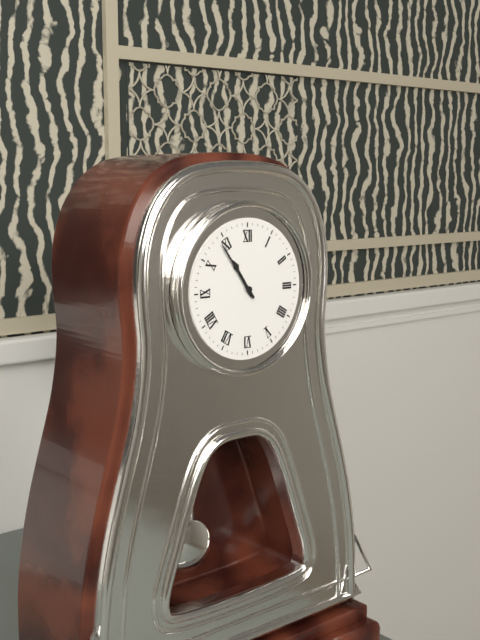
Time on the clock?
10:54
